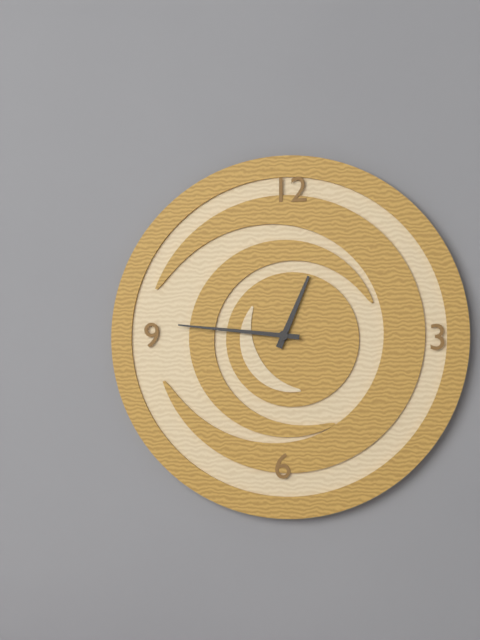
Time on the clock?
12:46
